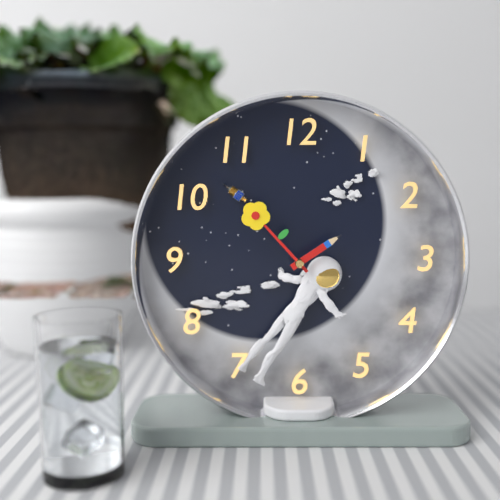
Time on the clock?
1:53
